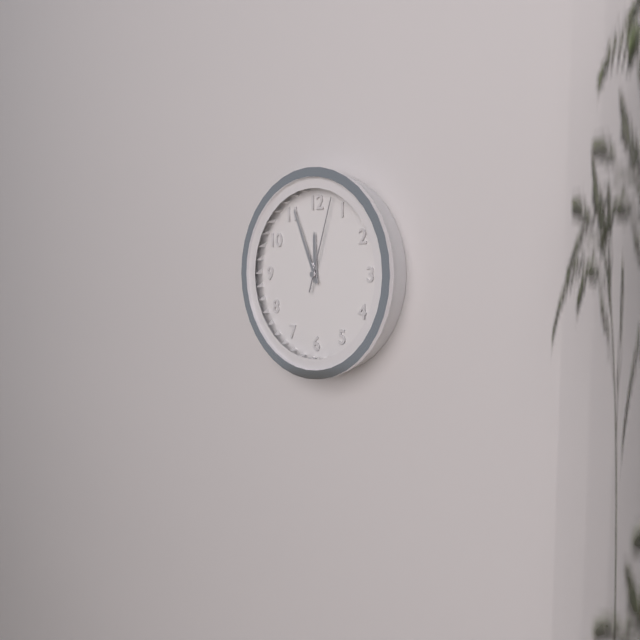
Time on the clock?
11:56:03
